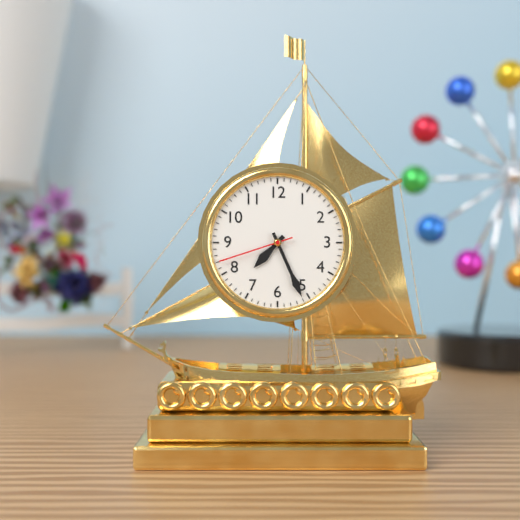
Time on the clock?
7:26:42
